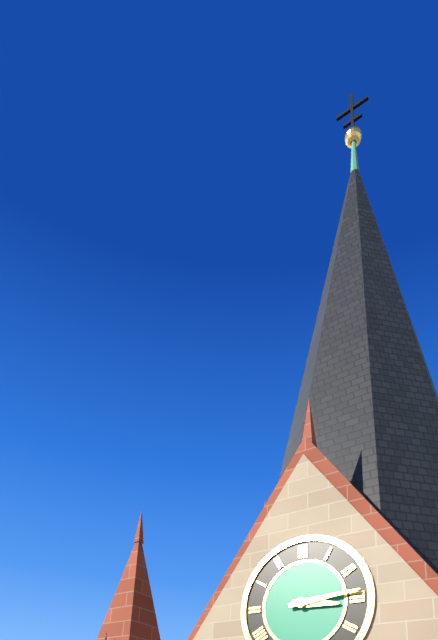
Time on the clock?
3:14
